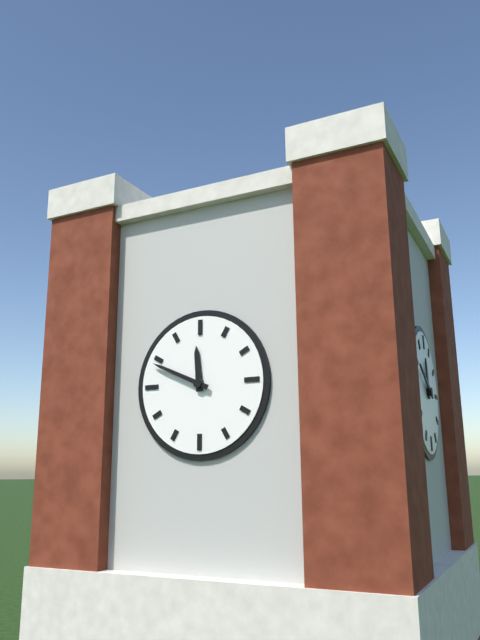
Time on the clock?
11:49
